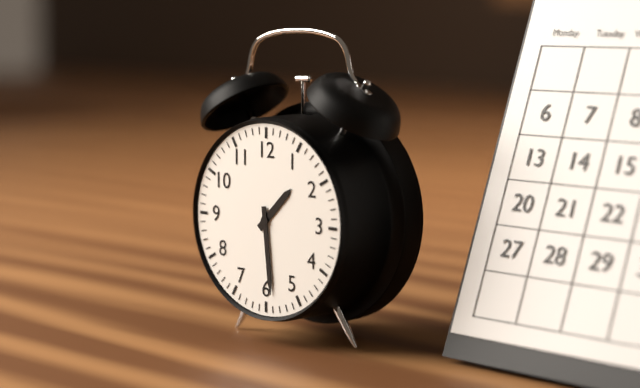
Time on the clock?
1:29
